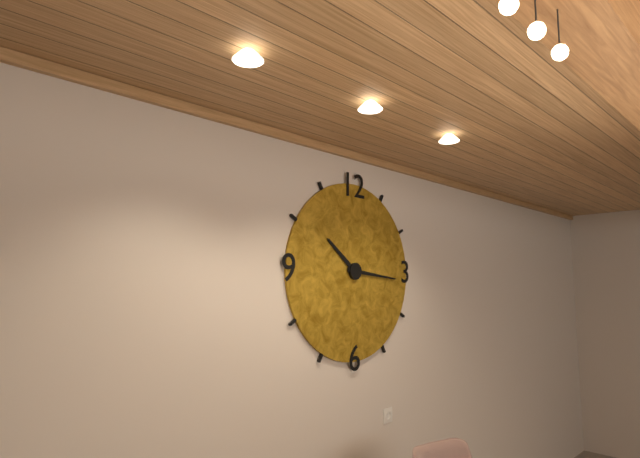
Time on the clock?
10:16
